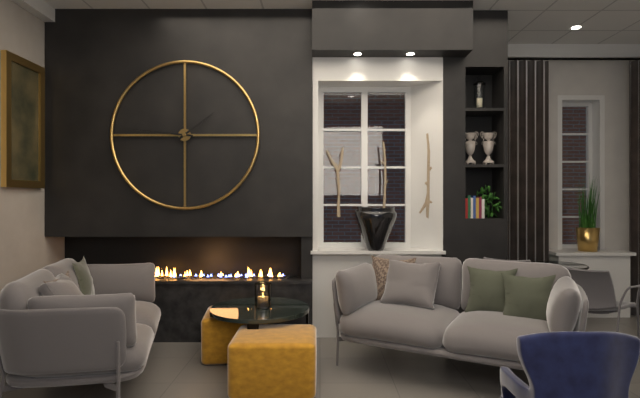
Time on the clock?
1:46
